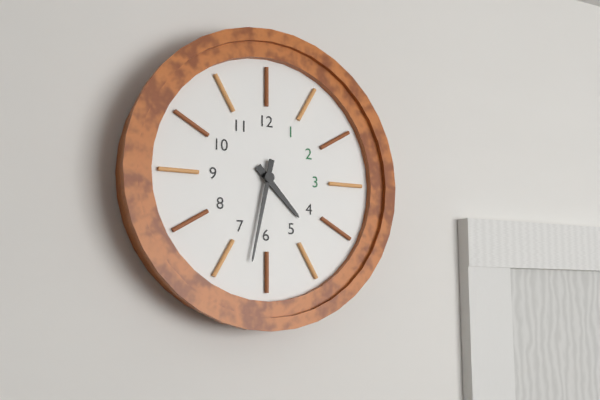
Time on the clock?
4:32
